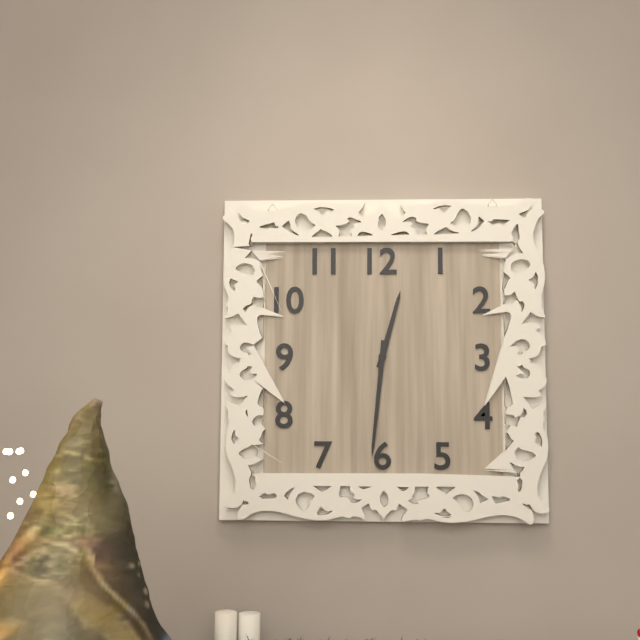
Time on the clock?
12:31
